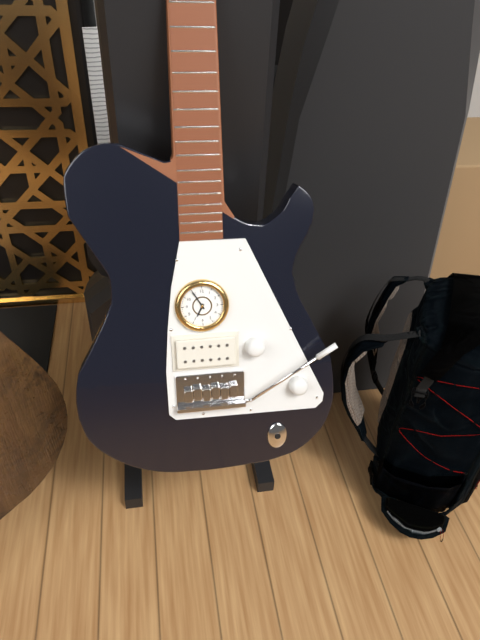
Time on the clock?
6:55
